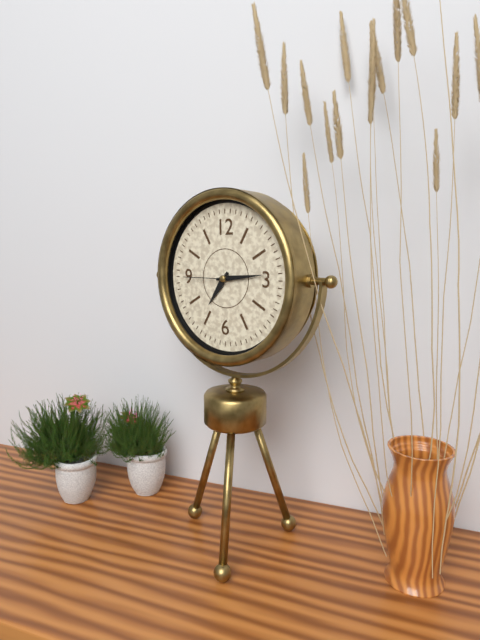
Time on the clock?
7:14:45
